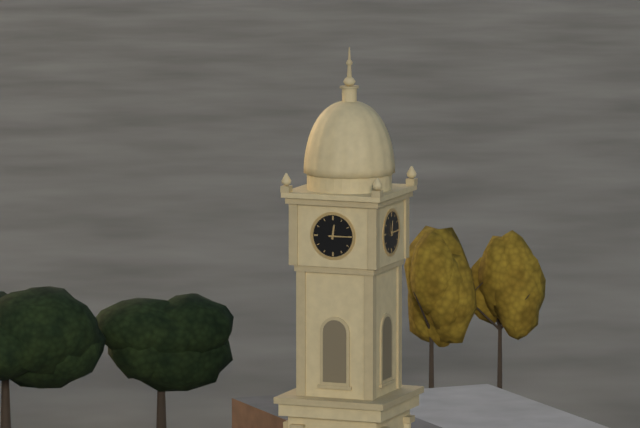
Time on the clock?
12:15
